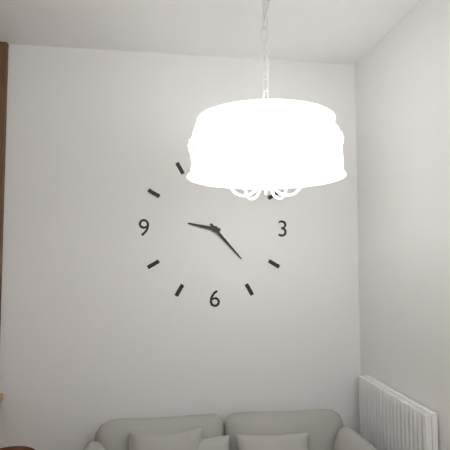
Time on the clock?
9:23
